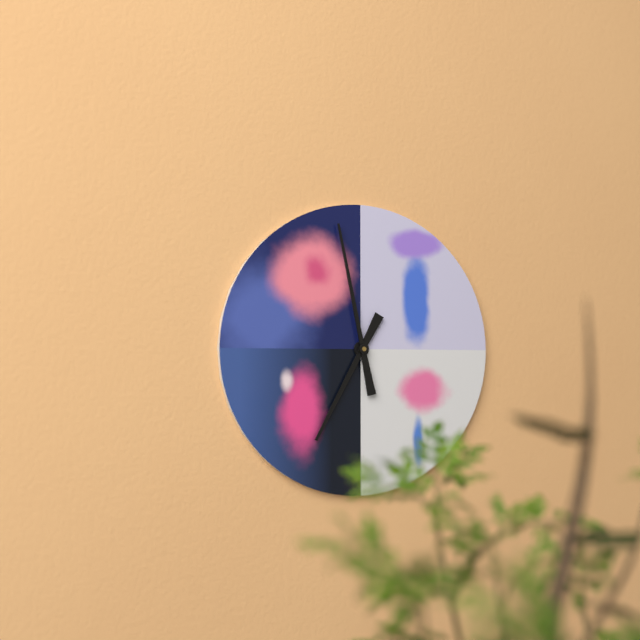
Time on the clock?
6:58
